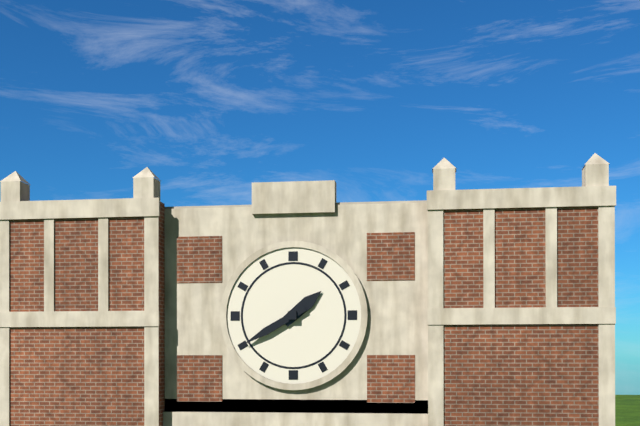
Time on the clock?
1:40
